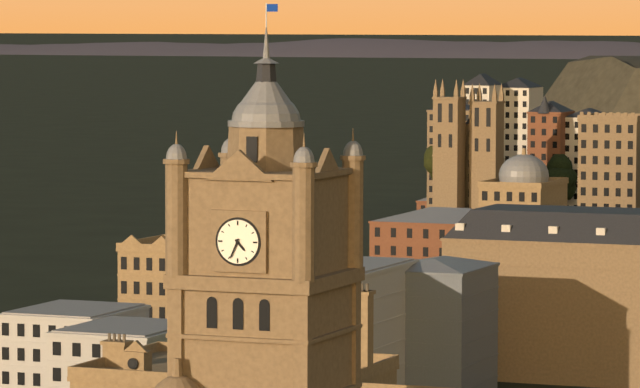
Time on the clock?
4:34
